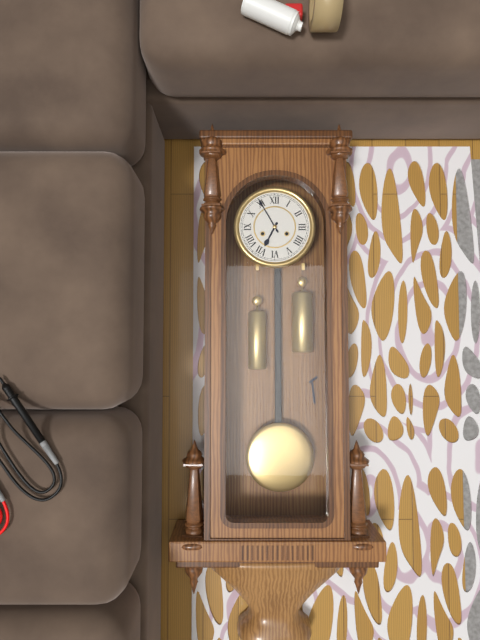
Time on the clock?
6:55
